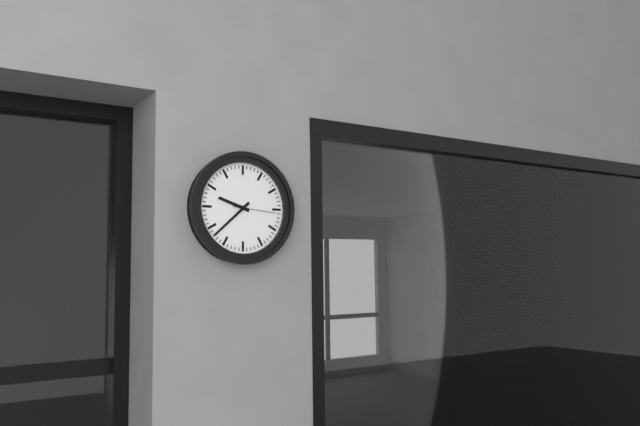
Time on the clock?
9:38
